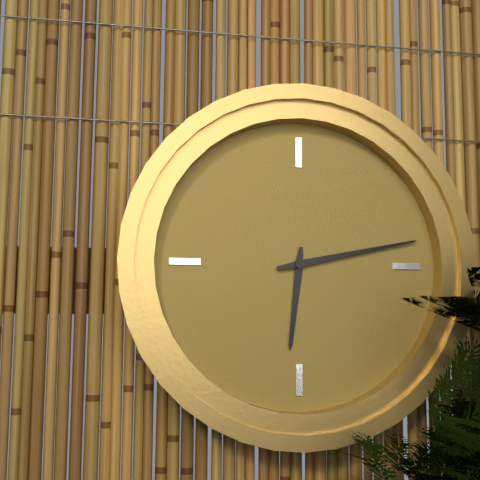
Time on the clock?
6:13
